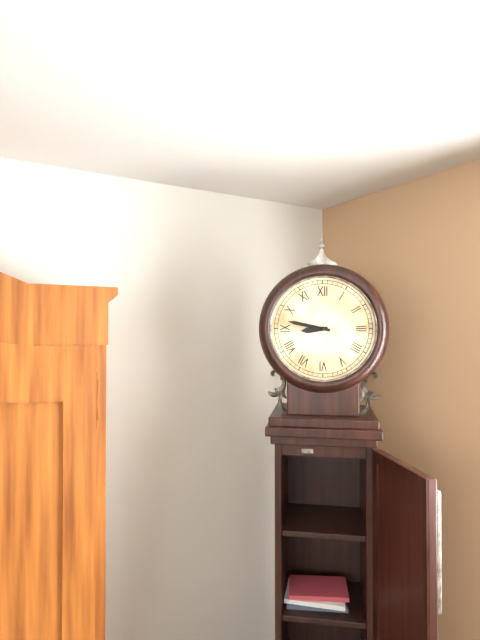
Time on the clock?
8:47
